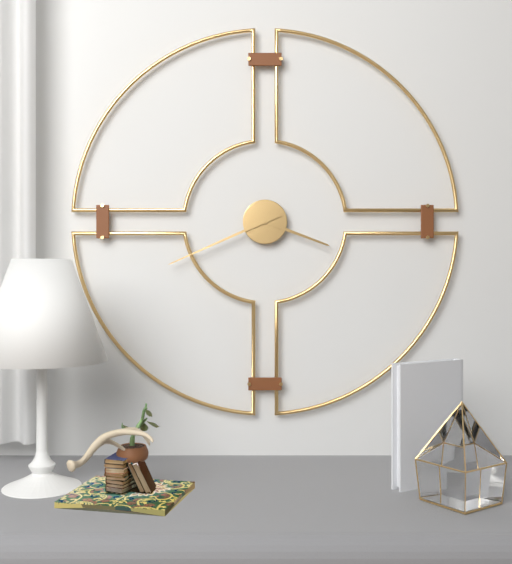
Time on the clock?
3:41
